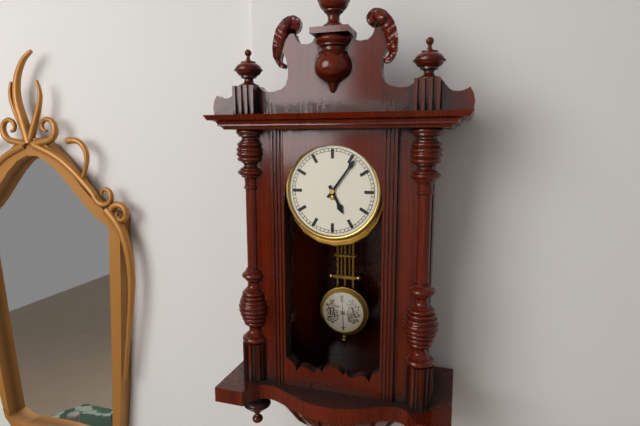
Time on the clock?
5:06
